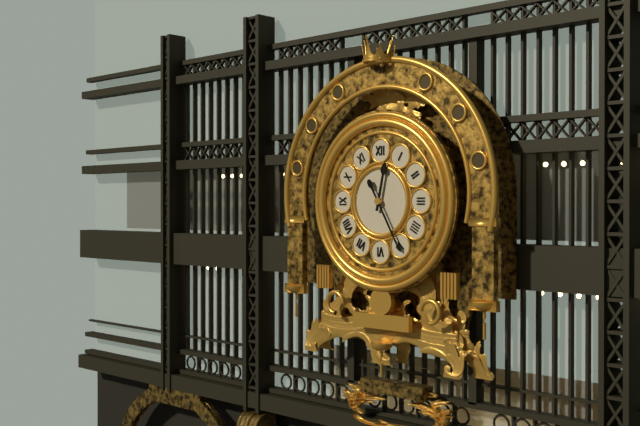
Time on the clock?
12:25
